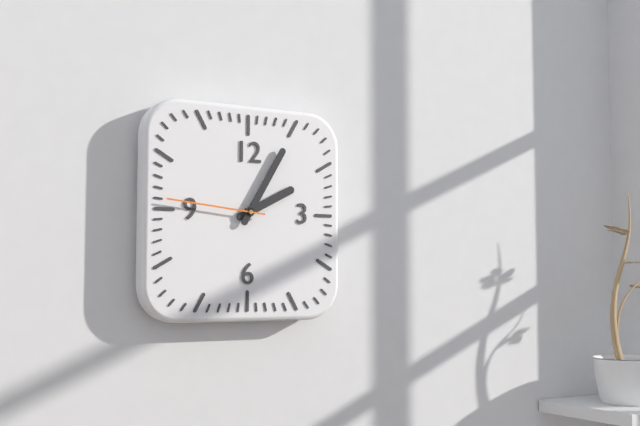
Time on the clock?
2:05:46
